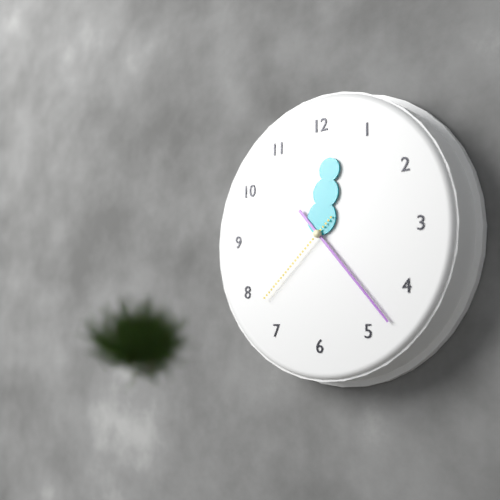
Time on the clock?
12:23:38
